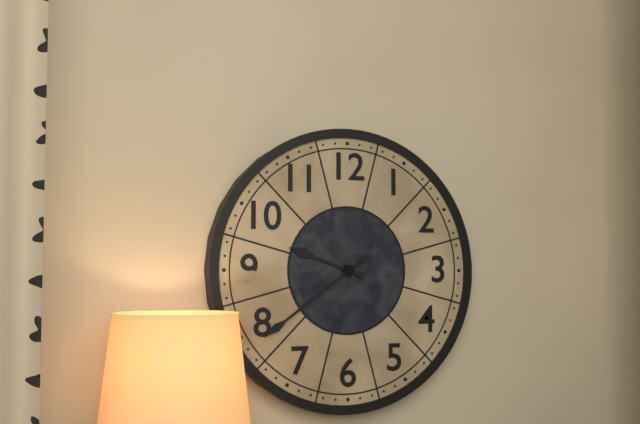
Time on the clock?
9:39
